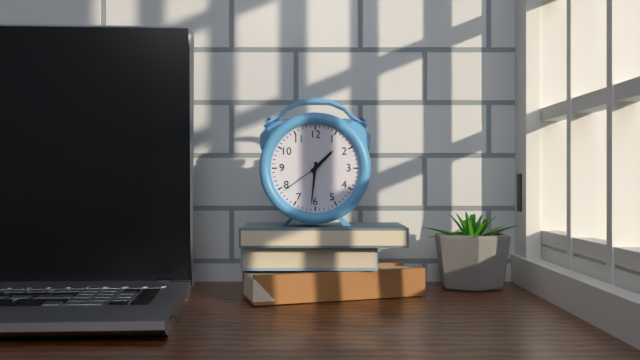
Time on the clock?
1:31
